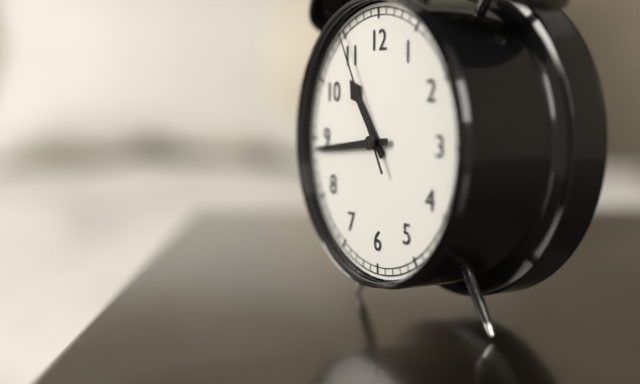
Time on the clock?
10:44:55
